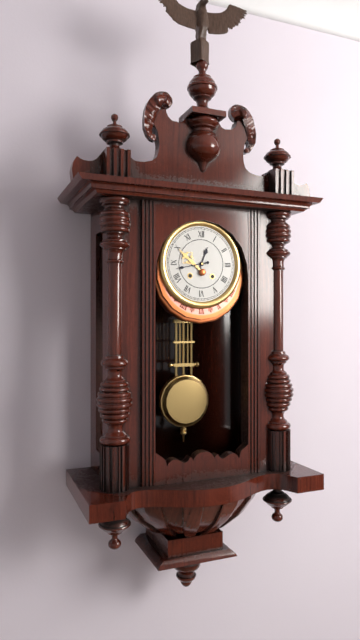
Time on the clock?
12:43
